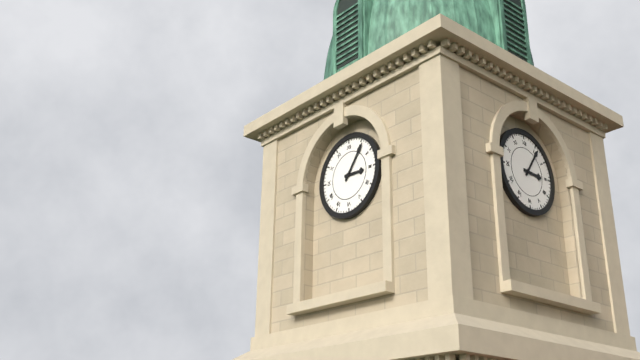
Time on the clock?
3:06
